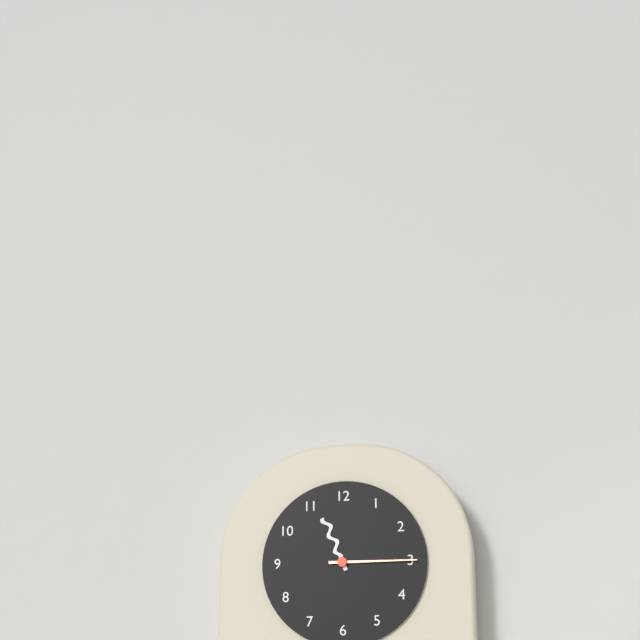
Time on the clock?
11:15
